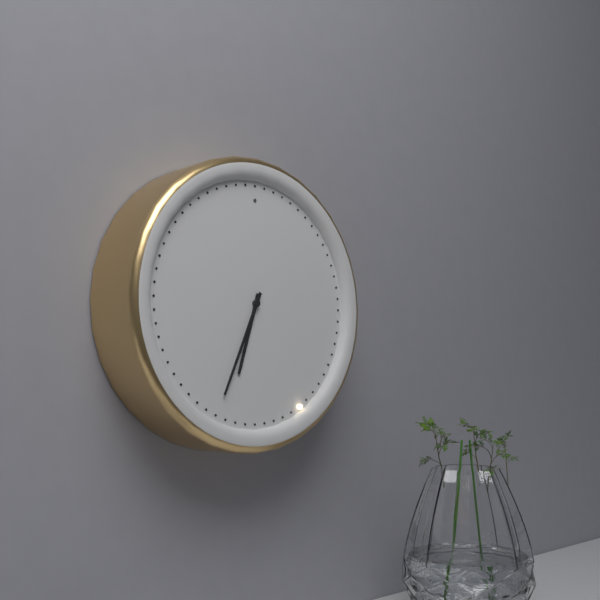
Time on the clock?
6:34
